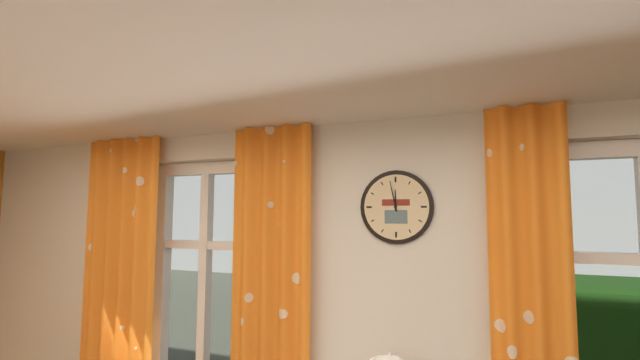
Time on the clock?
11:58
